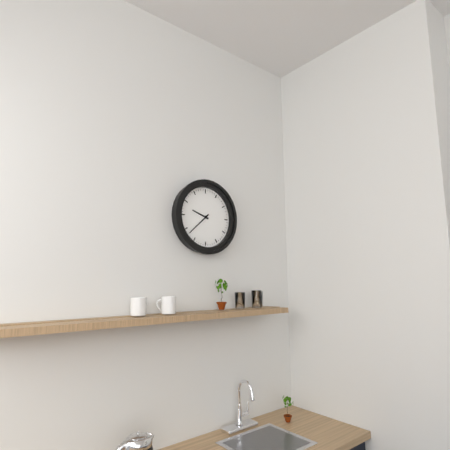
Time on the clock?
9:38
